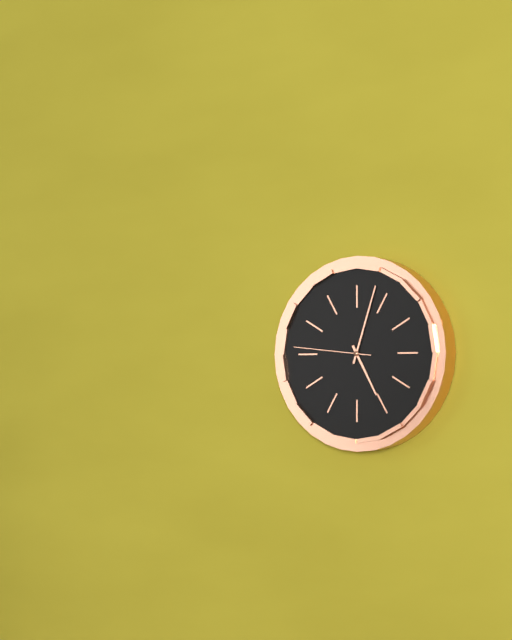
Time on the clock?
5:03:46
